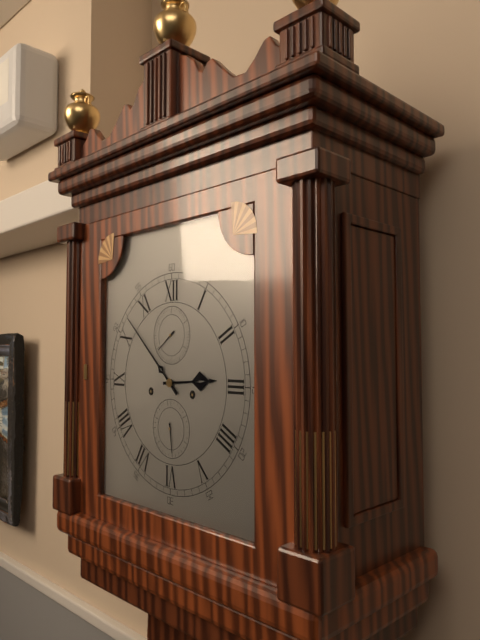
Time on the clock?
2:52
